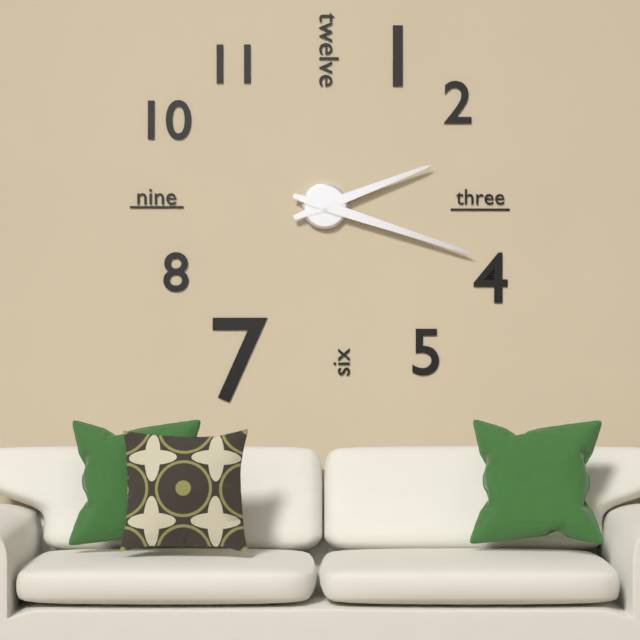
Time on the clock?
2:18
